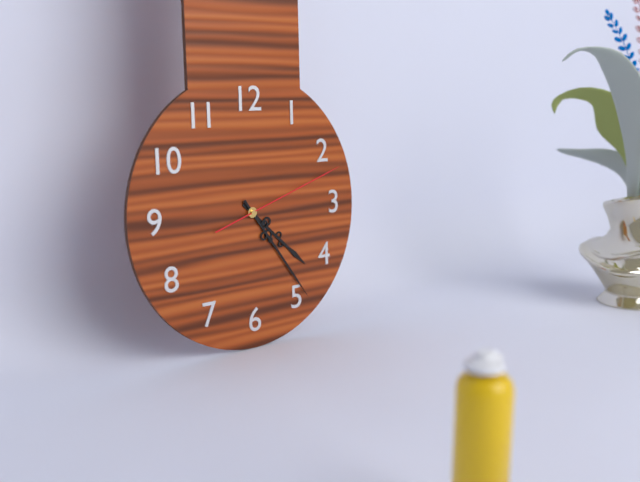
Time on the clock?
4:24:12
